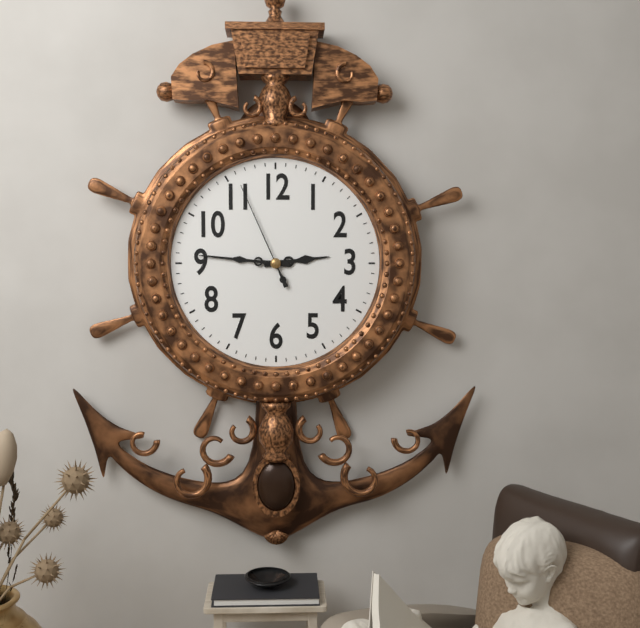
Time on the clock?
2:46:56
